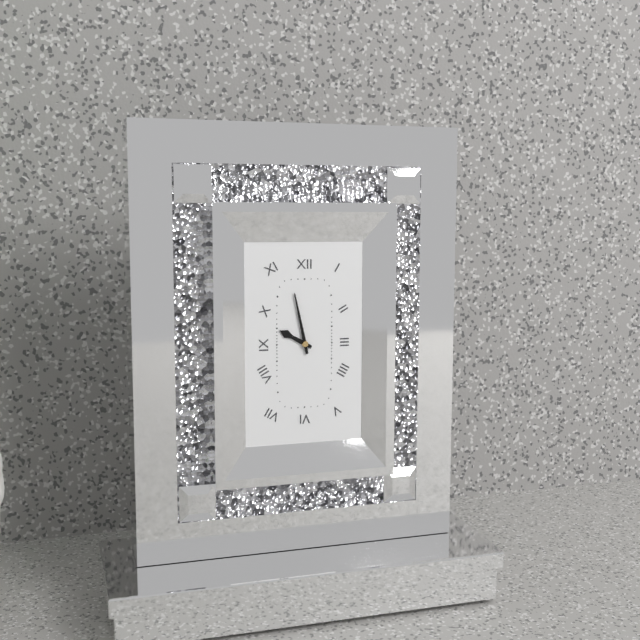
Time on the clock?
9:58
